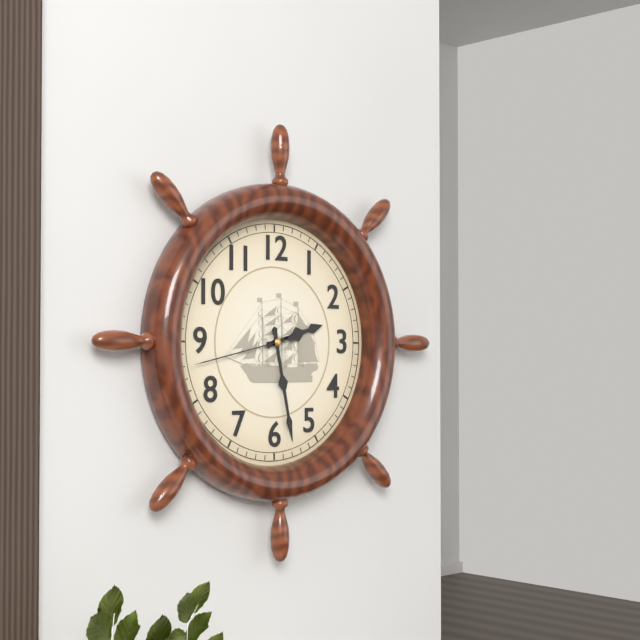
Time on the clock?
2:28:43
